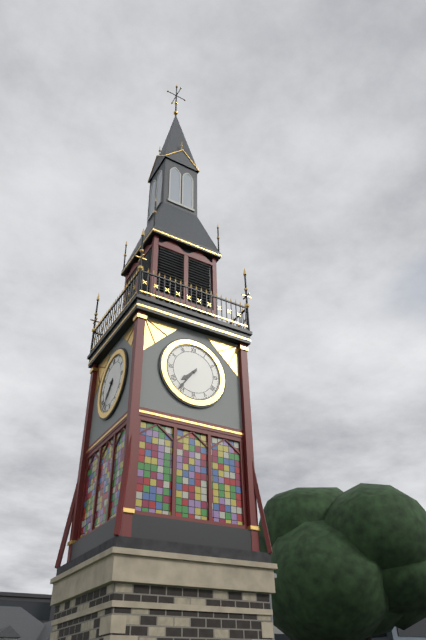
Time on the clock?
7:36
